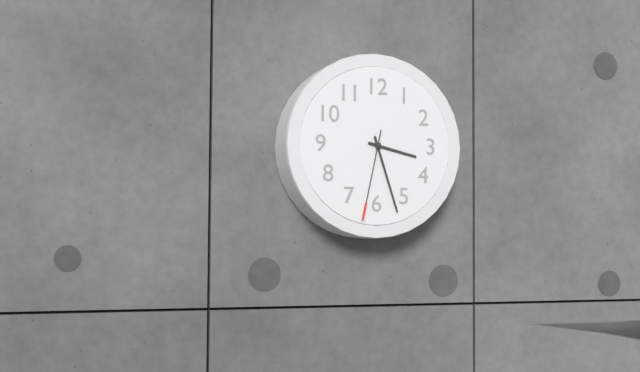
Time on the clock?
3:27:32
